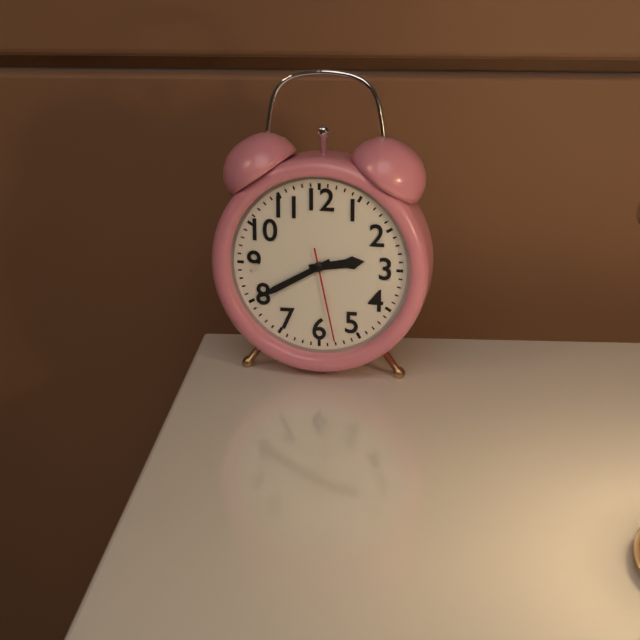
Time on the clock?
2:40:28
